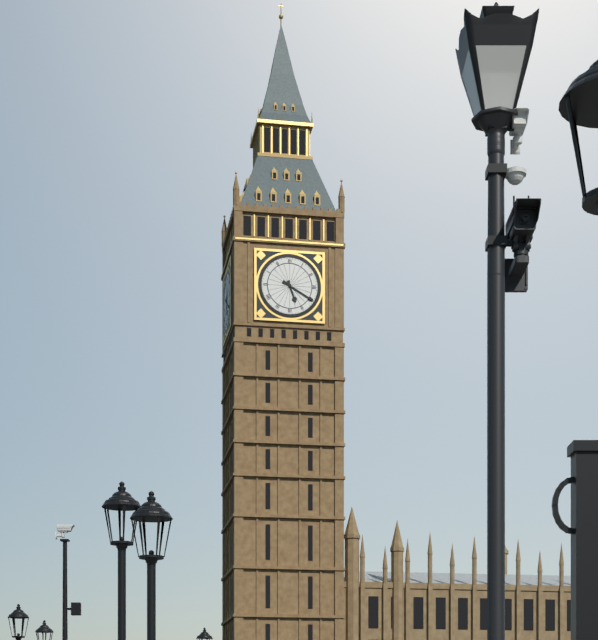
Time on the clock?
5:20
